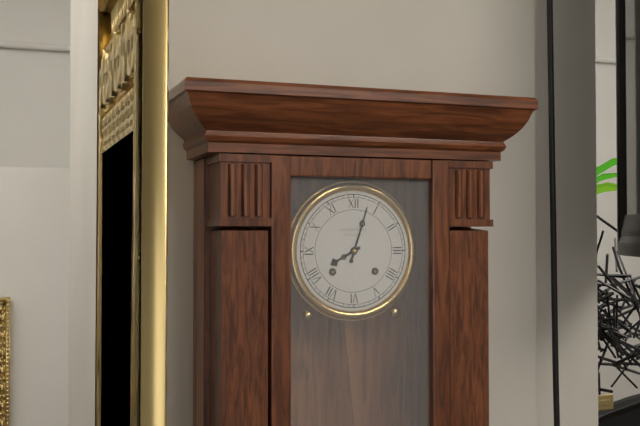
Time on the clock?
8:03
